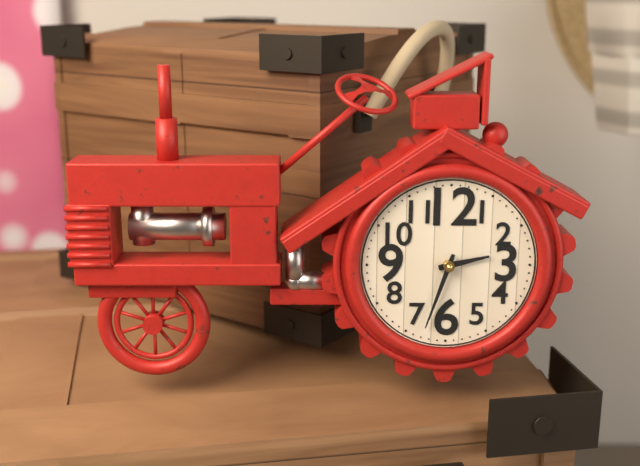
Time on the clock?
2:33
